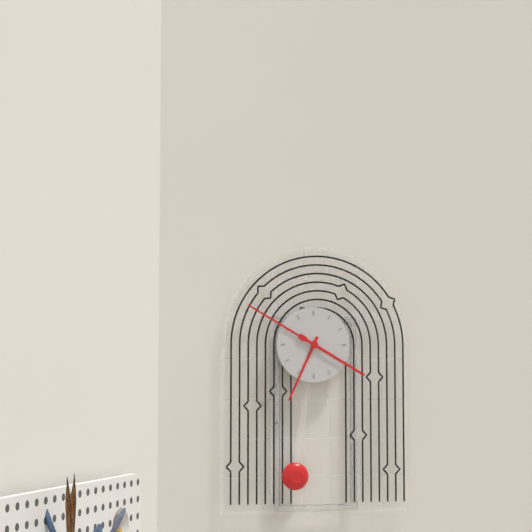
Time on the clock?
6:50:20
